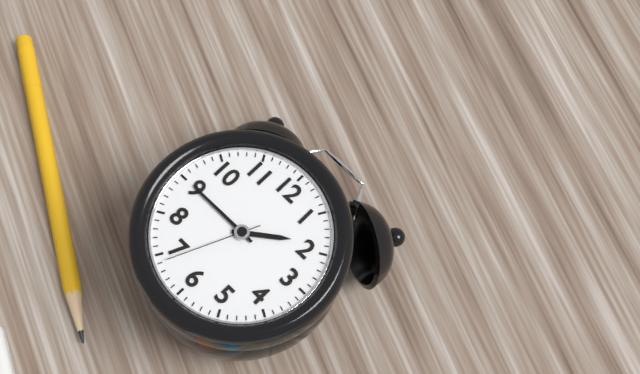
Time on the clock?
1:45:34
